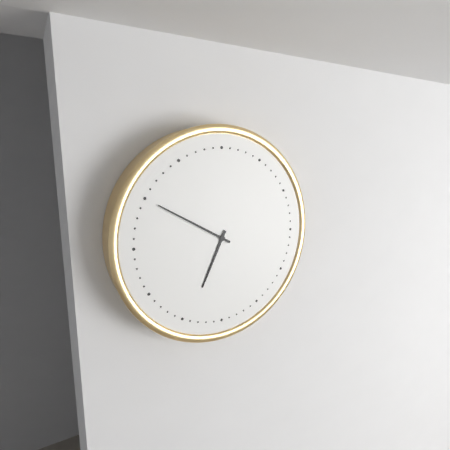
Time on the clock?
6:50
